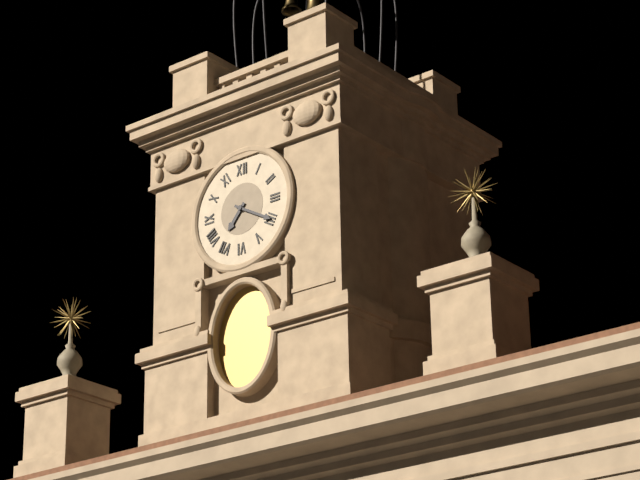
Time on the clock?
7:20
